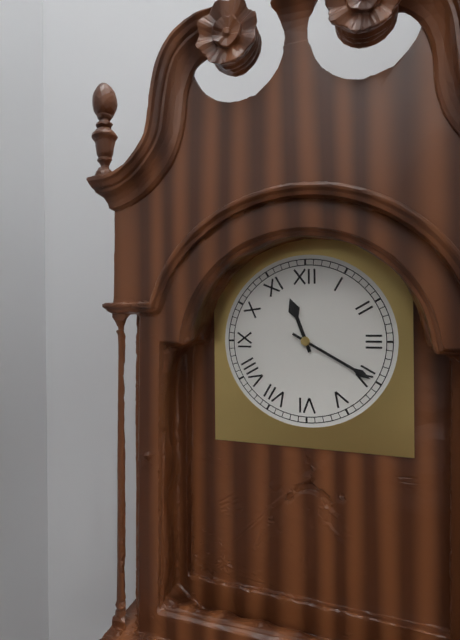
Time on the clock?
11:20
